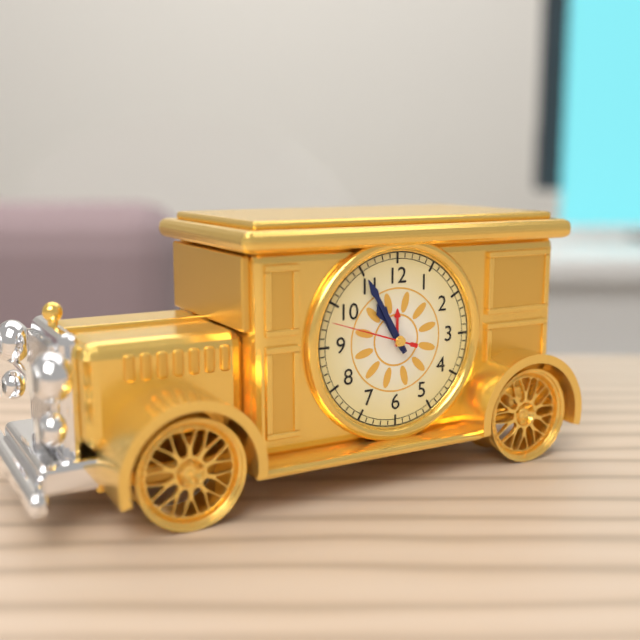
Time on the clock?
10:55:48
